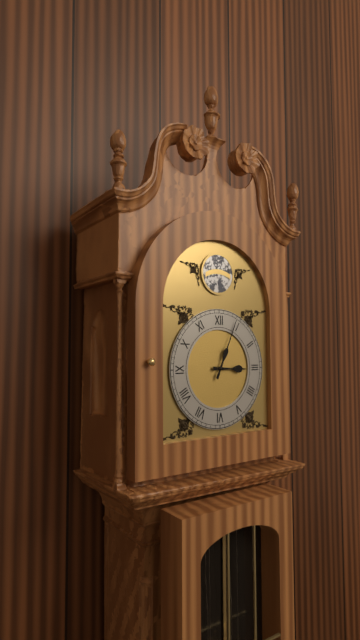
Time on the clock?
3:04
